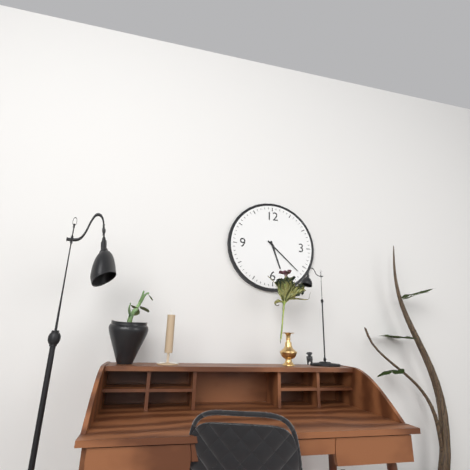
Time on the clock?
5:22
